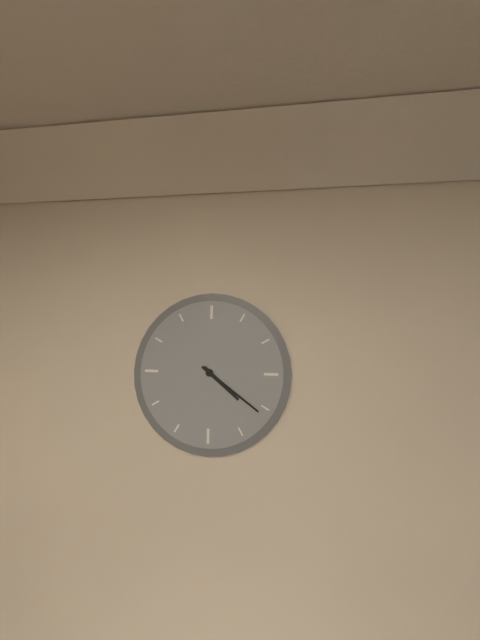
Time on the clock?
4:21
